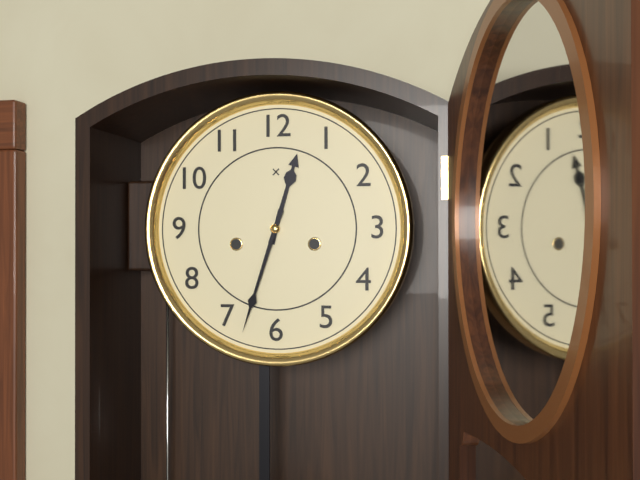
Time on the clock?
12:33
